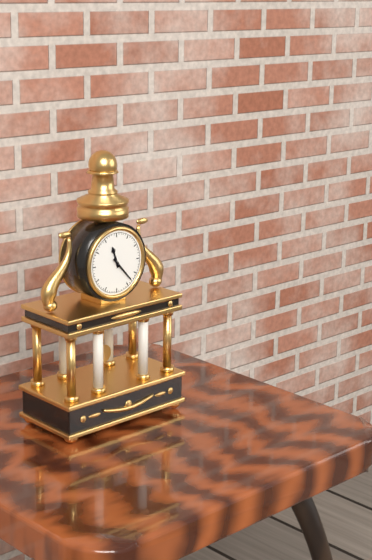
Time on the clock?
11:23
